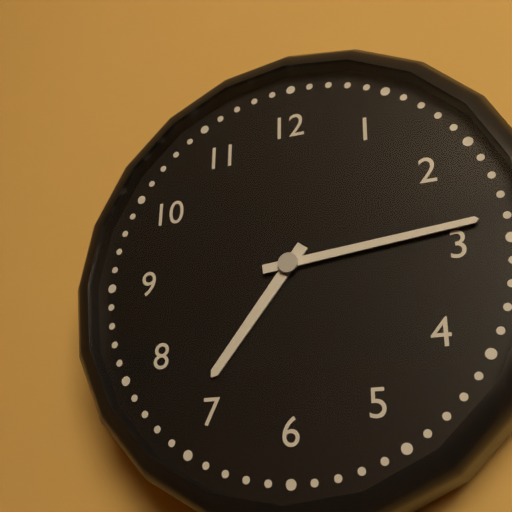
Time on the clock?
7:14
